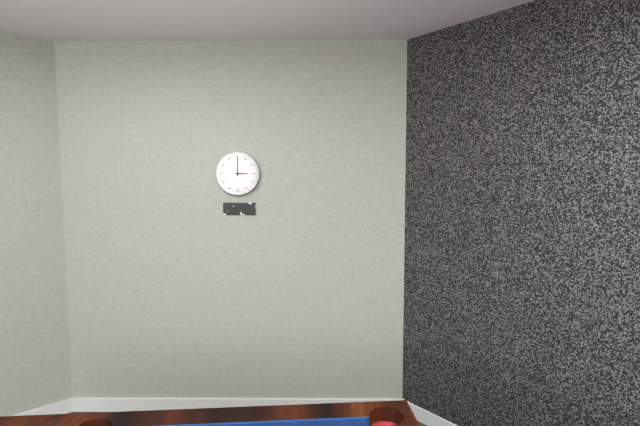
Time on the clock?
3:00
